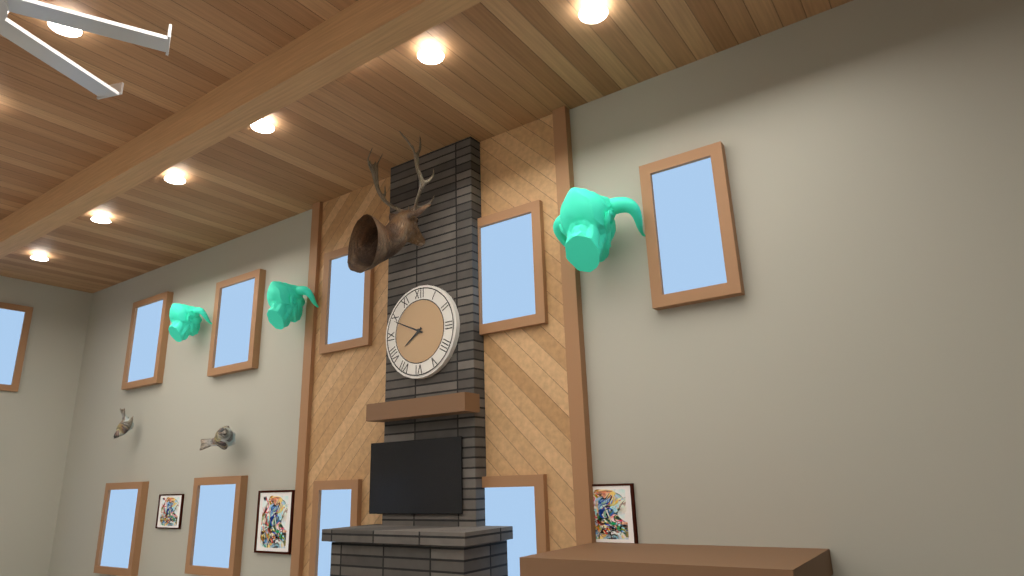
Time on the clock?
7:49
